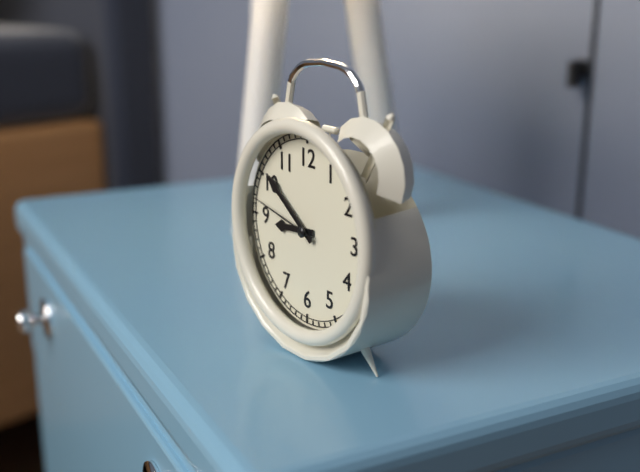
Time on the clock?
8:51:47
